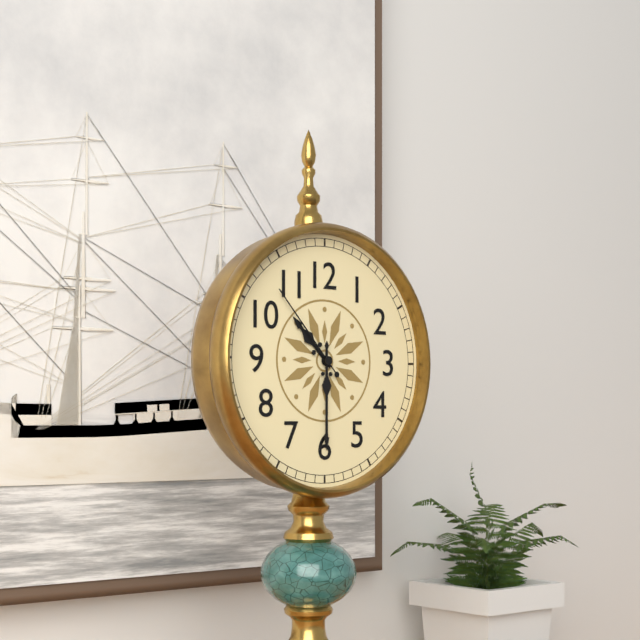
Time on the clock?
10:30:53
